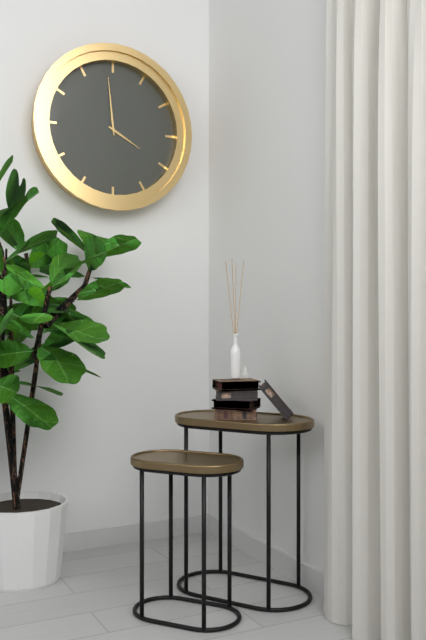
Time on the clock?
3:59
